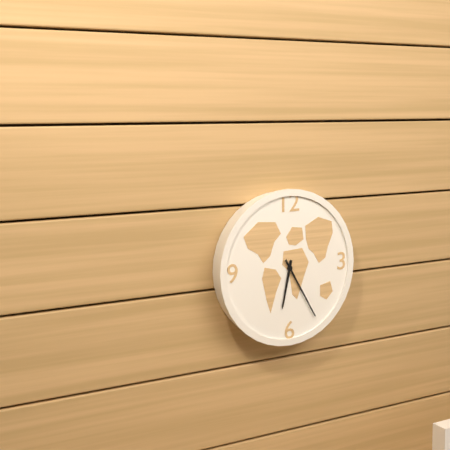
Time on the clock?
6:25
